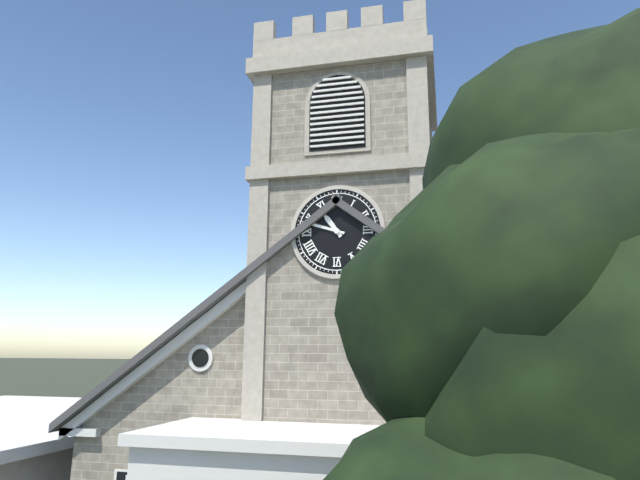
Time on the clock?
10:48
